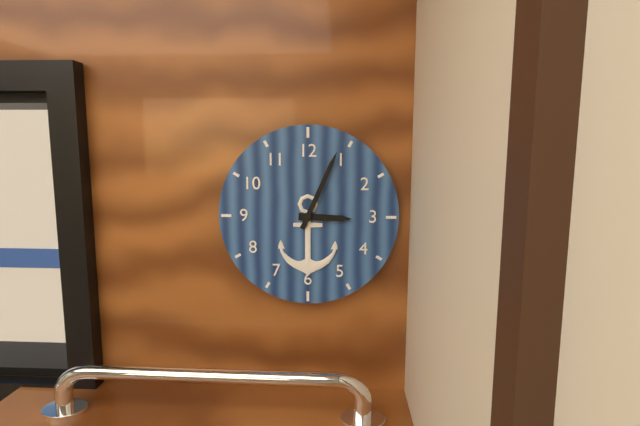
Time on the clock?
3:04
